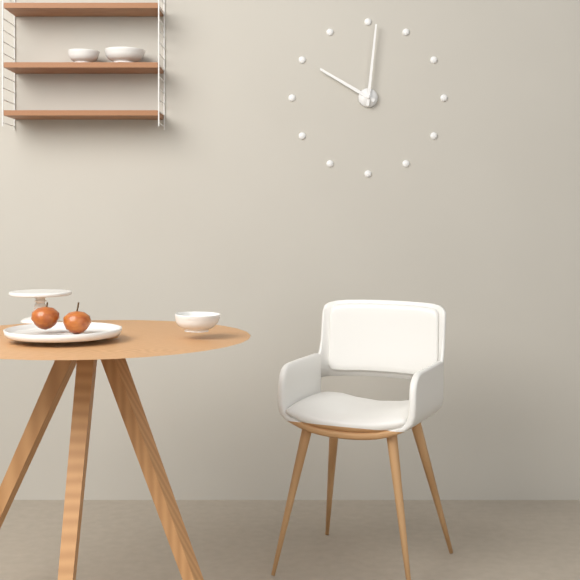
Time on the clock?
10:01
